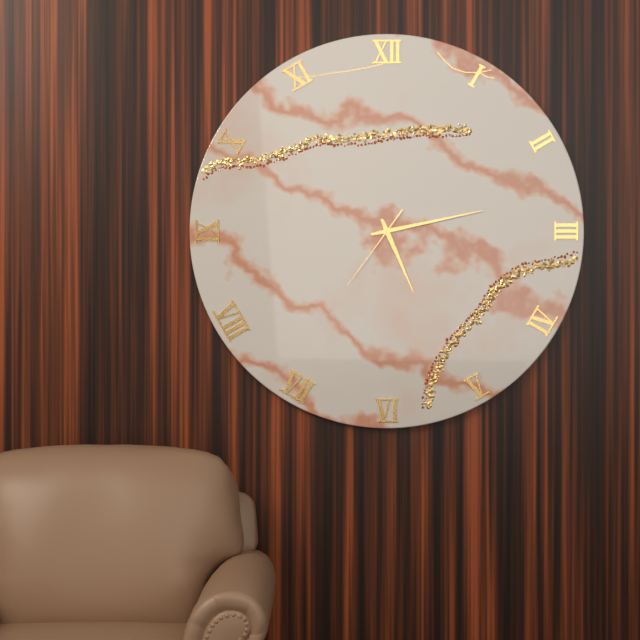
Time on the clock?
5:13:36
